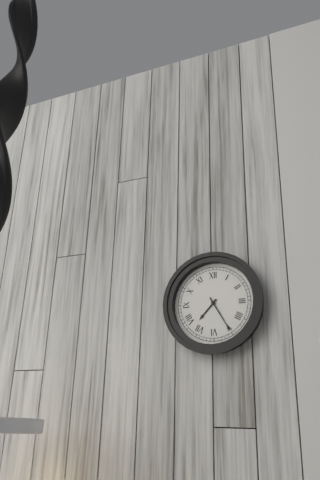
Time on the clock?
7:25
